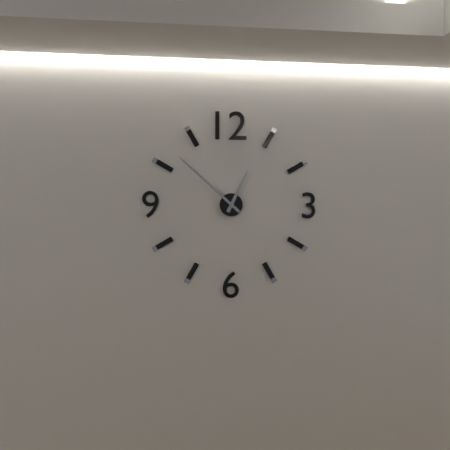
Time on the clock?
12:52
